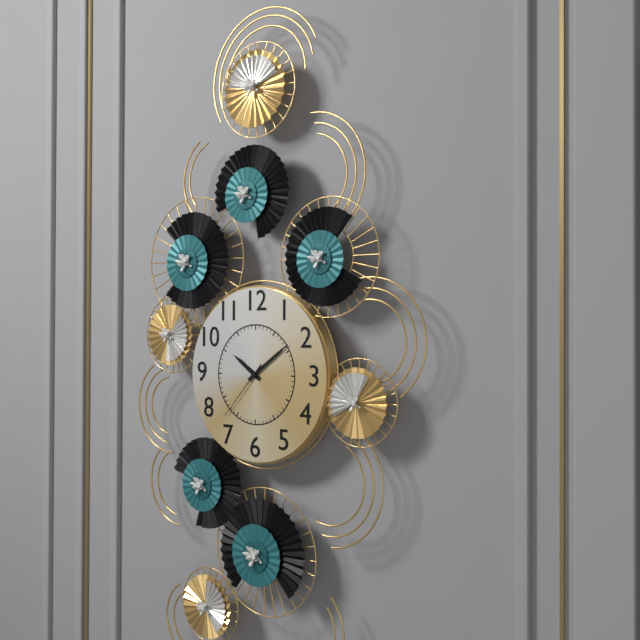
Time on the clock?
10:09:37
